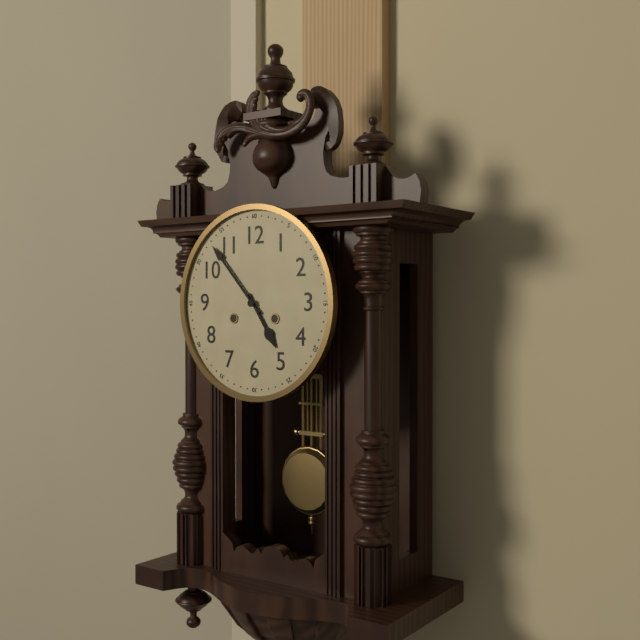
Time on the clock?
4:53
